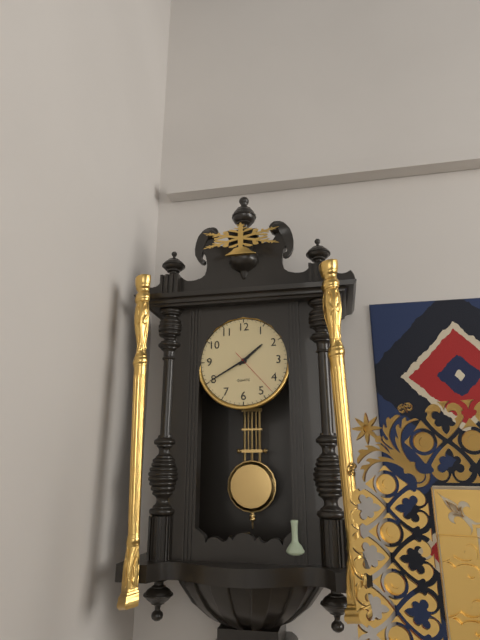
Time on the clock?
1:40:23
